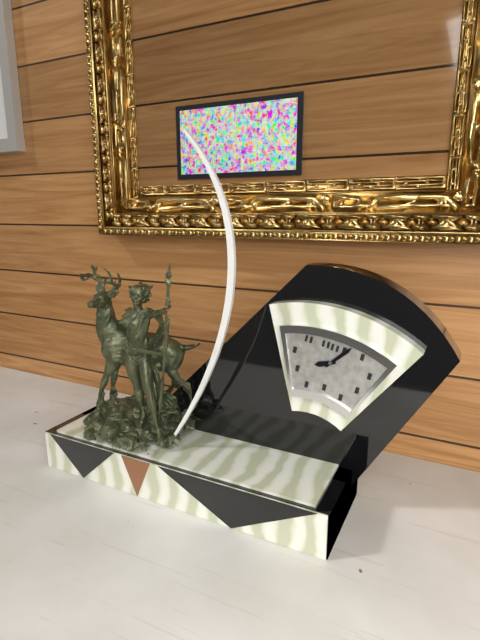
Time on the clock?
8:06
